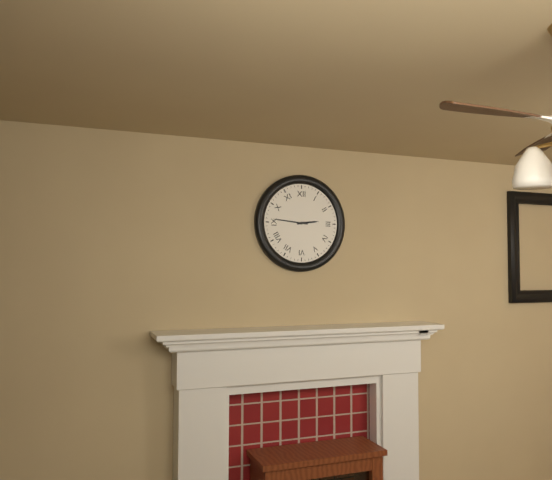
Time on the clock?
2:46
